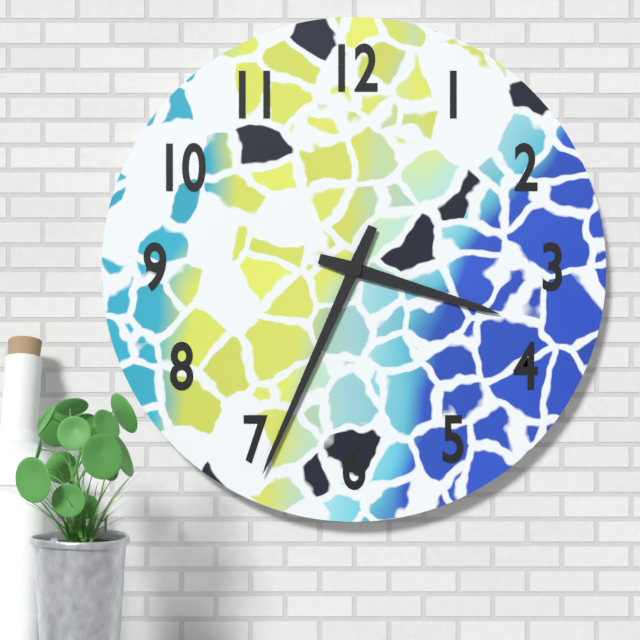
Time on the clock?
3:34
